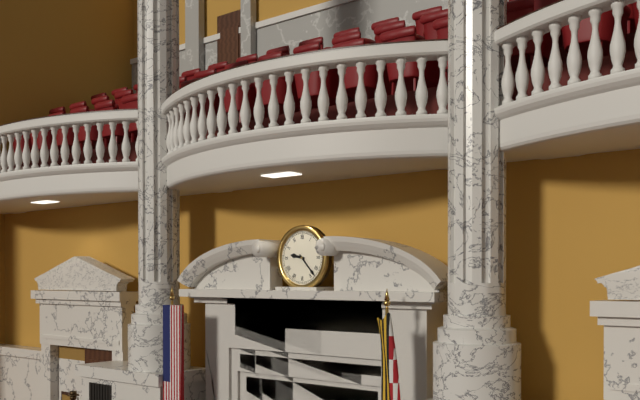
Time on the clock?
9:23
